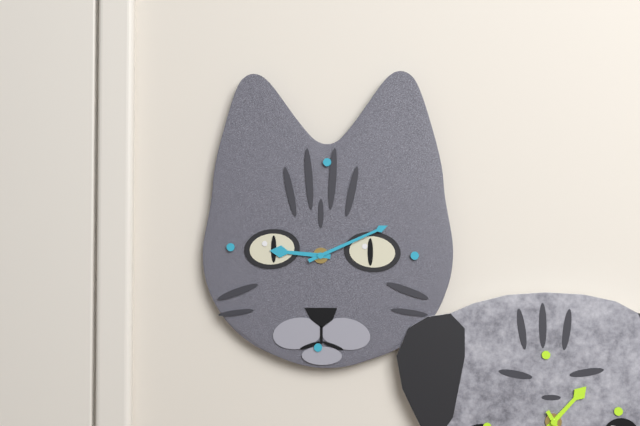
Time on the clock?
9:11
